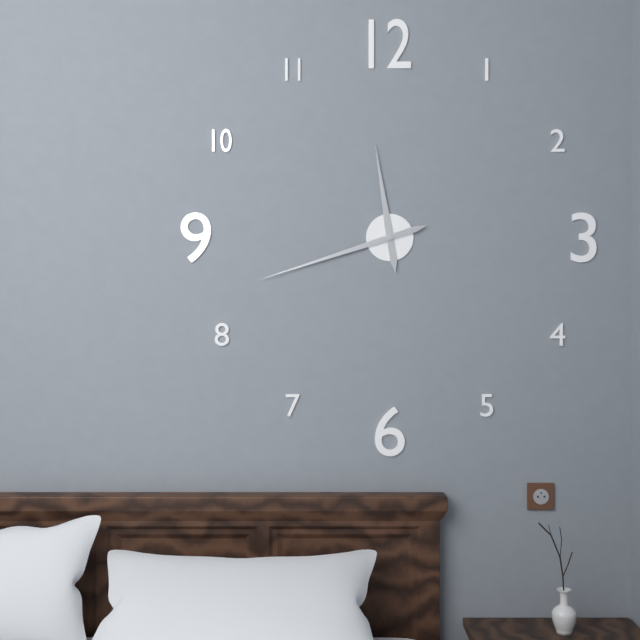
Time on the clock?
11:42
